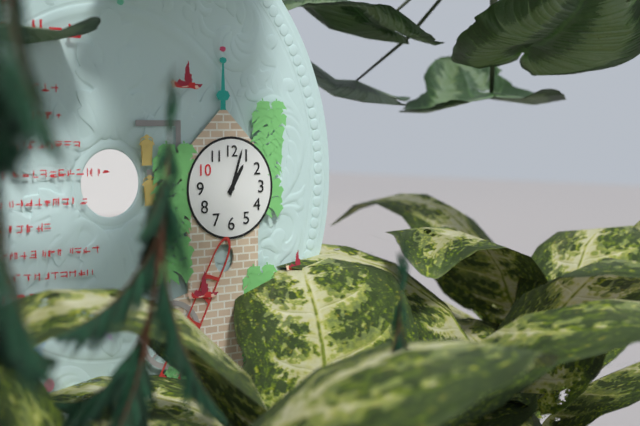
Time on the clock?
1:03
